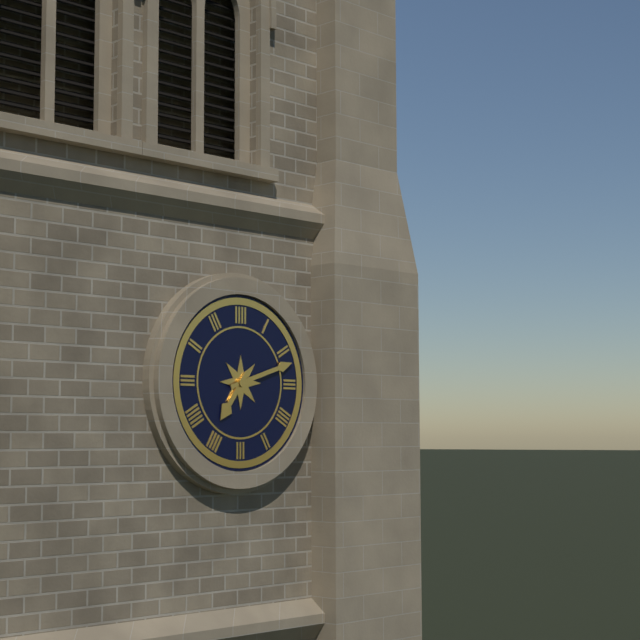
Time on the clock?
7:12
